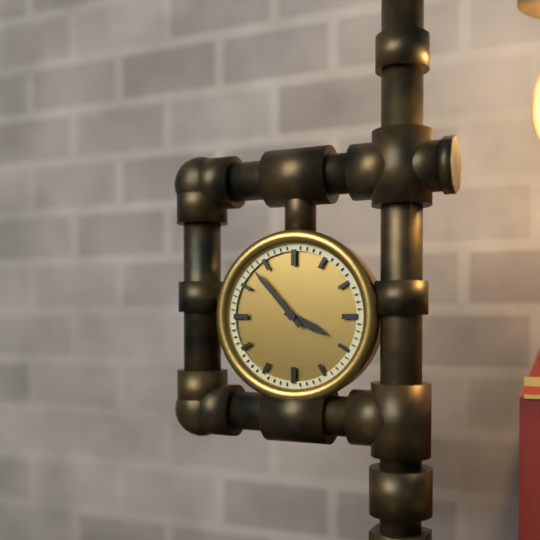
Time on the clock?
3:53
